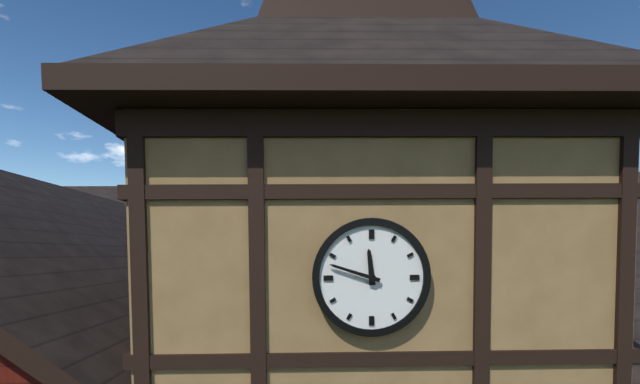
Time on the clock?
11:48
